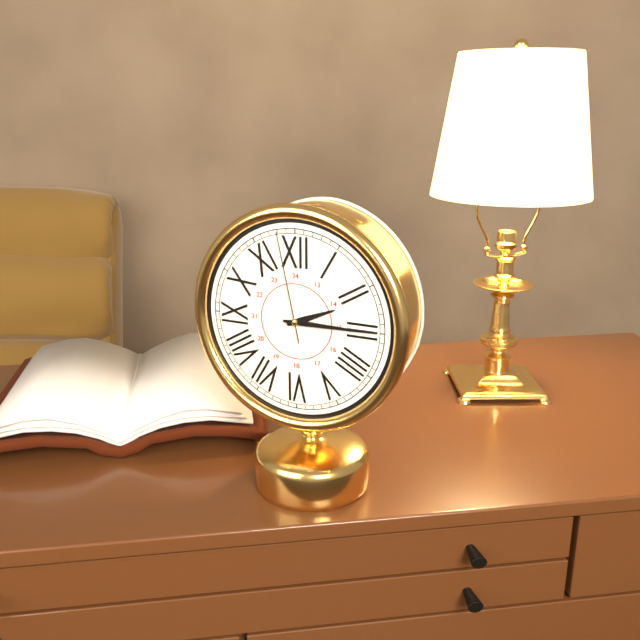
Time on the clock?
2:15:58
